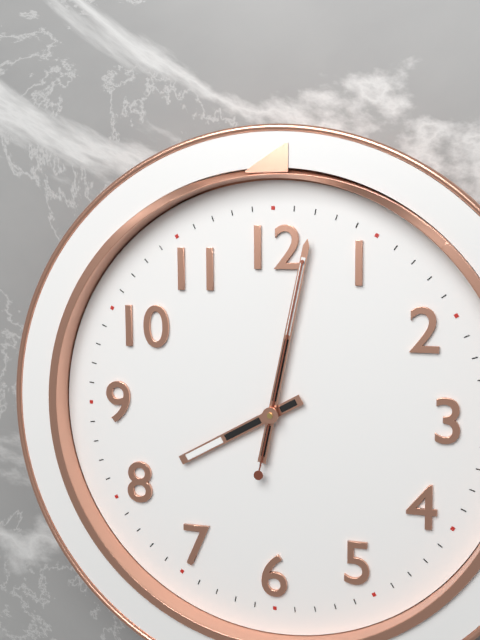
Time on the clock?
8:02:02
